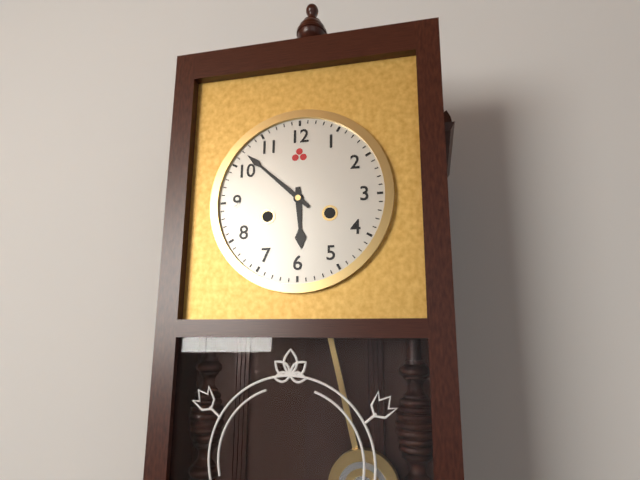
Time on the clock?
5:52
